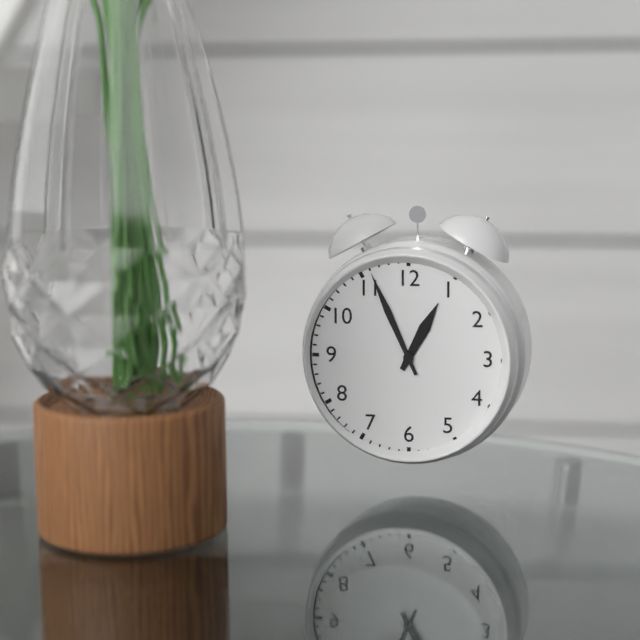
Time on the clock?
12:56
